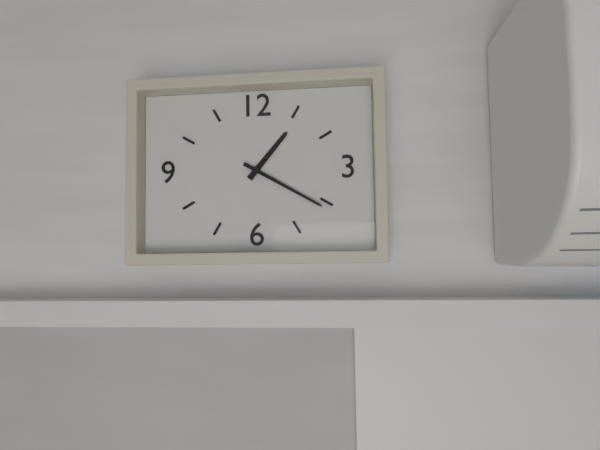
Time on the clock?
1:20
